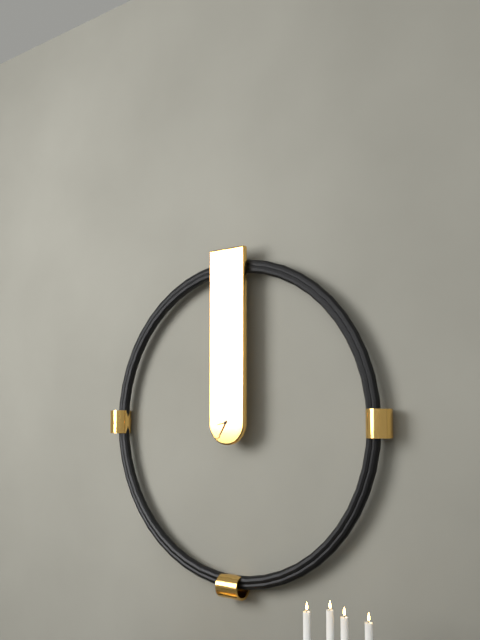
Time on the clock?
8:35
